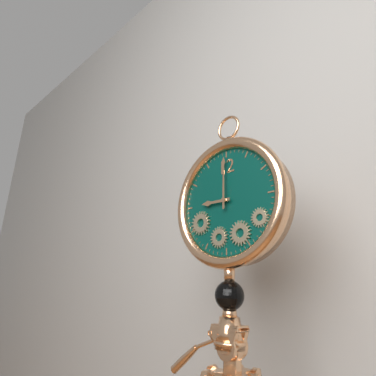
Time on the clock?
9:00
